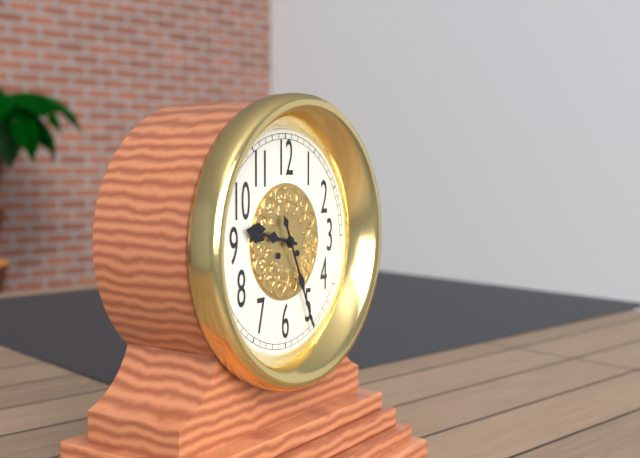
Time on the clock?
9:26
